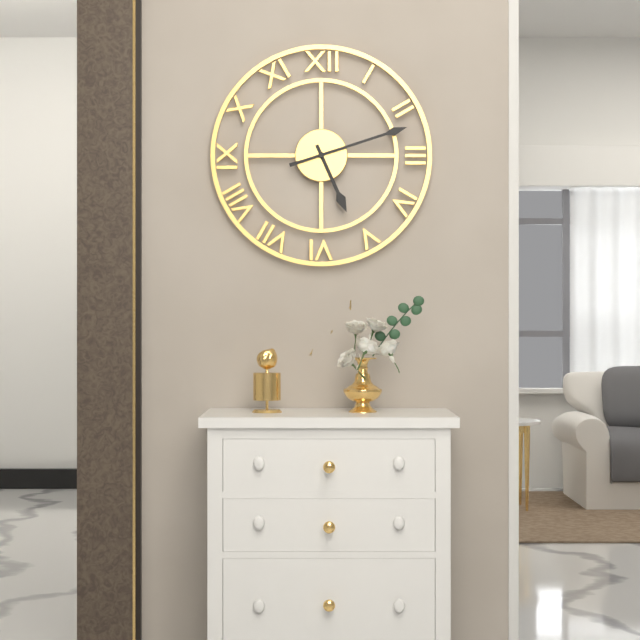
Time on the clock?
5:12
